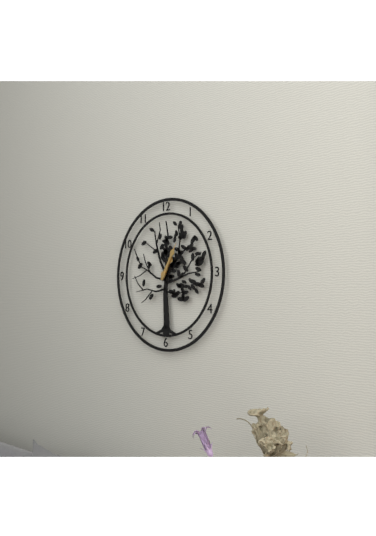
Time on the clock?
1:05
